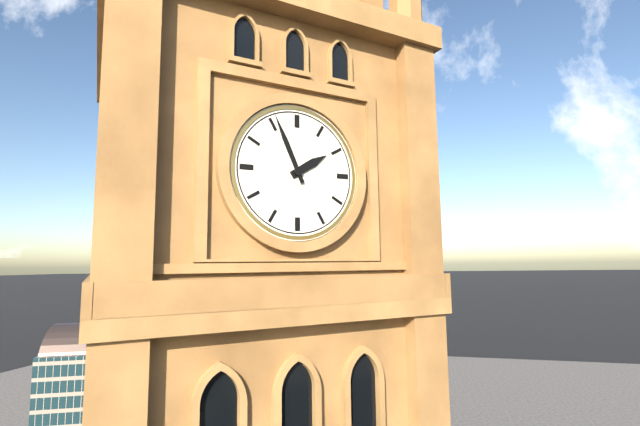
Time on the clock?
1:56
